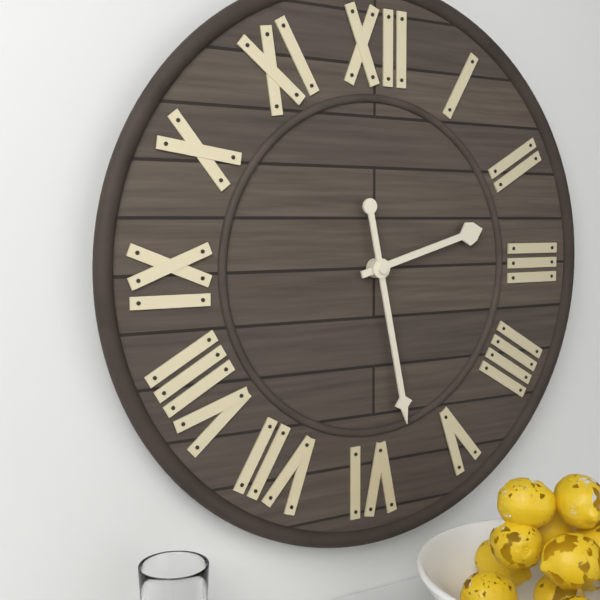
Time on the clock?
2:28
